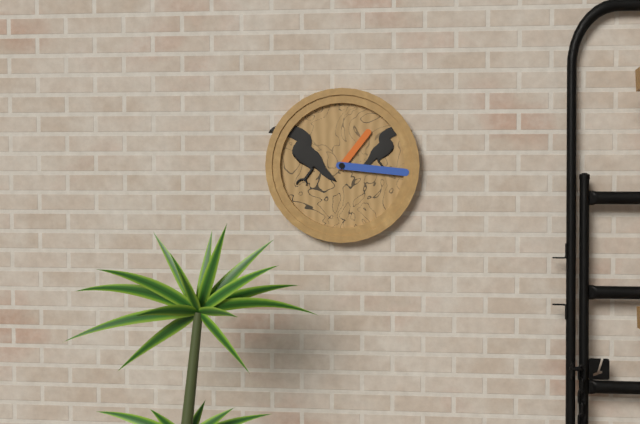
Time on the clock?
1:16
